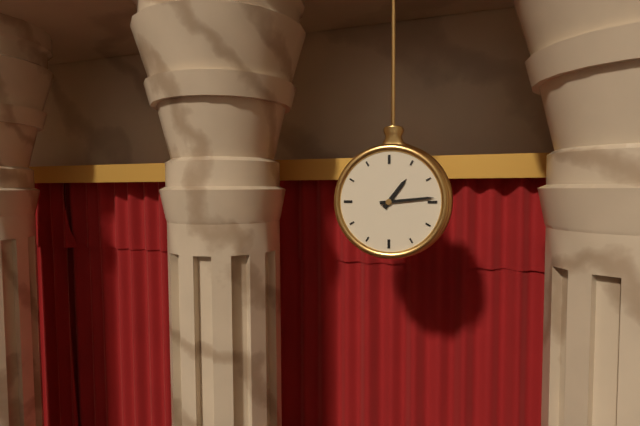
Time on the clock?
1:14
